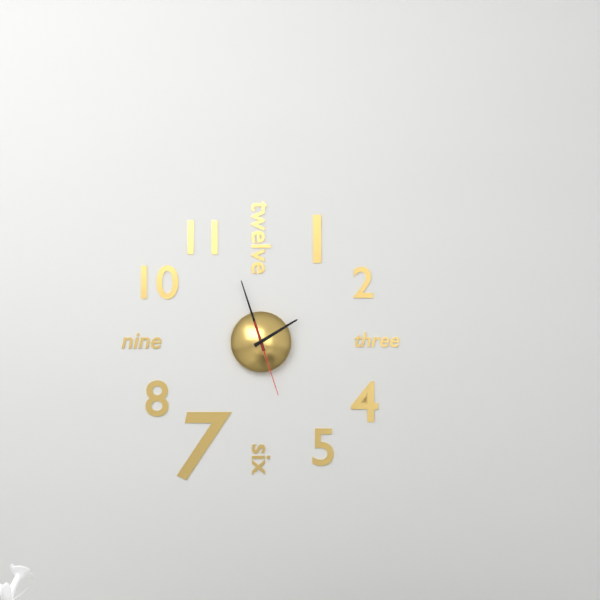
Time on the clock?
1:57:27
